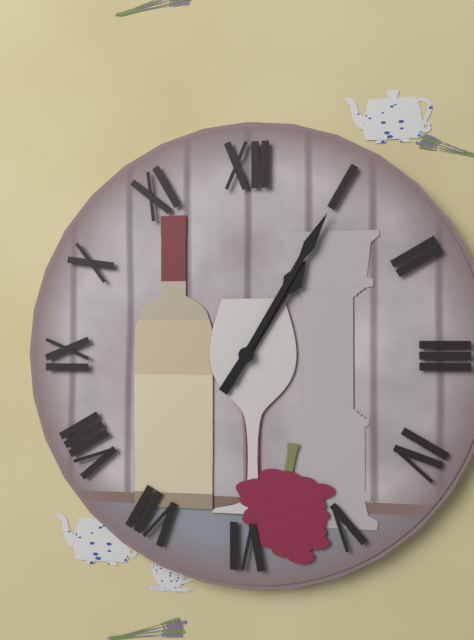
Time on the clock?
1:05
